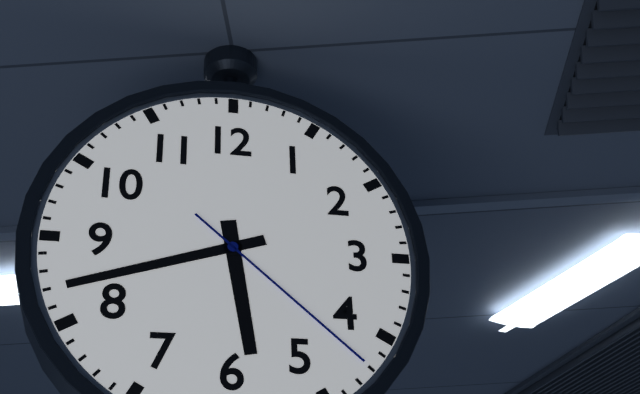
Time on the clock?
5:42:22
